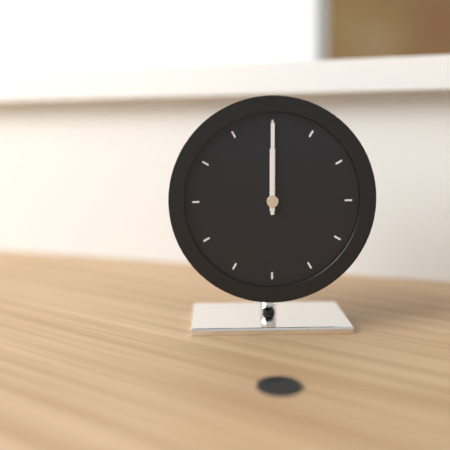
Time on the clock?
12:00
